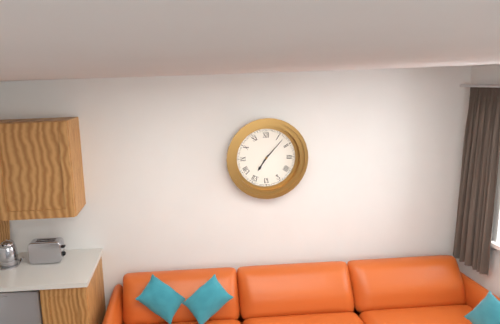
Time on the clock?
7:07
